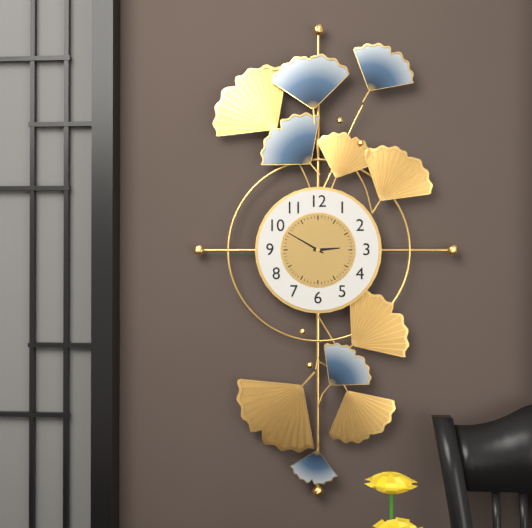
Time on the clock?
2:50
